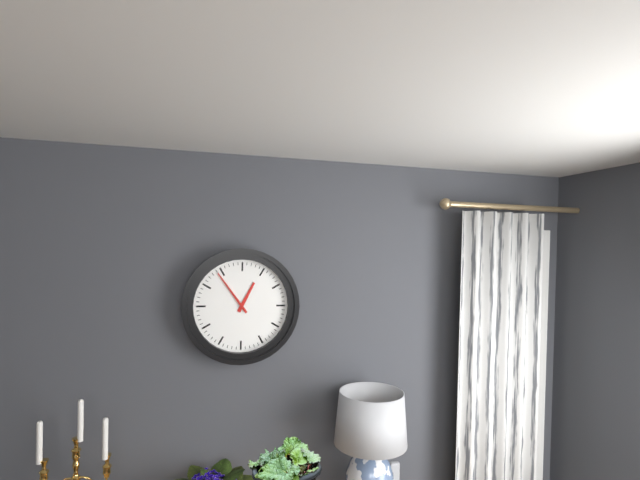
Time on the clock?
12:54
